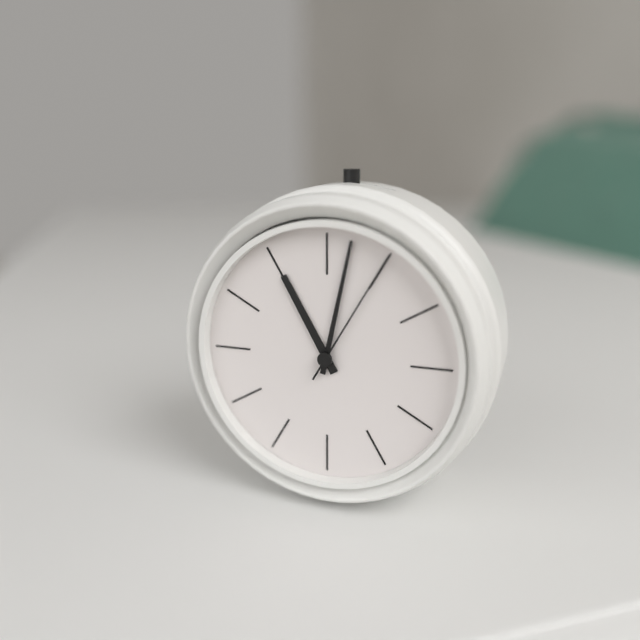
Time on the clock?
11:02:05
